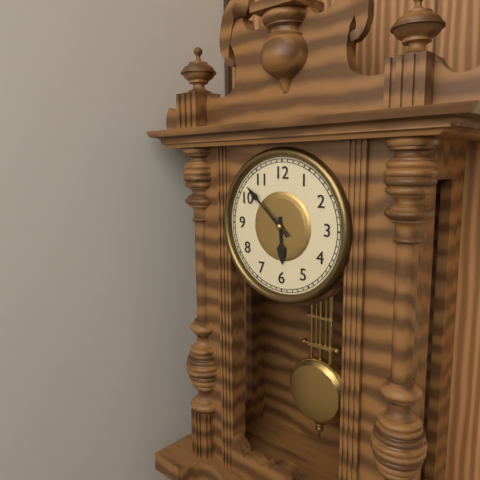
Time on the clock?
5:52
